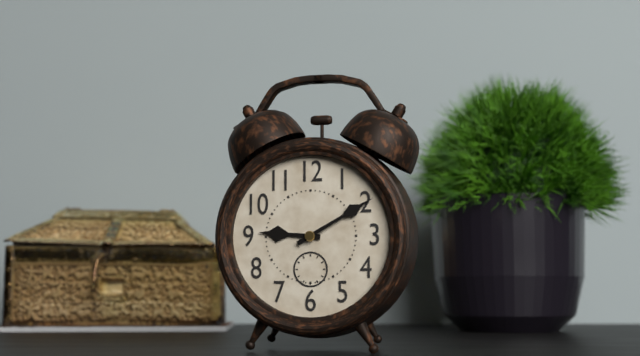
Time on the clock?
9:10
